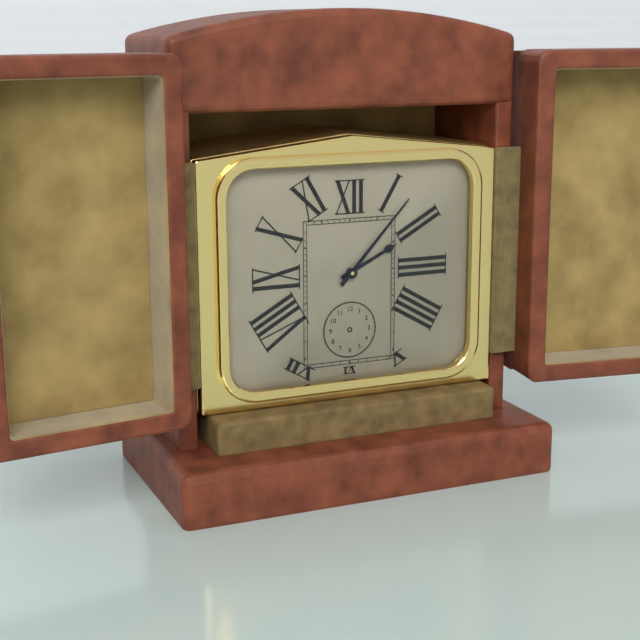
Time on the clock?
2:07
